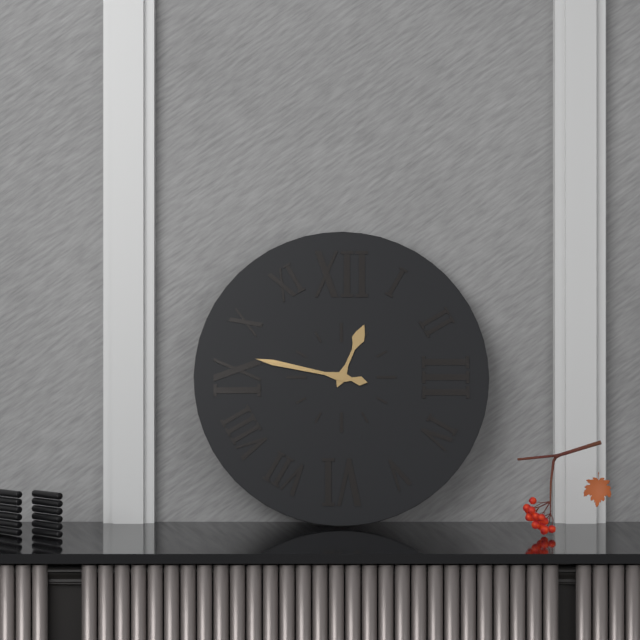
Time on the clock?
12:47
